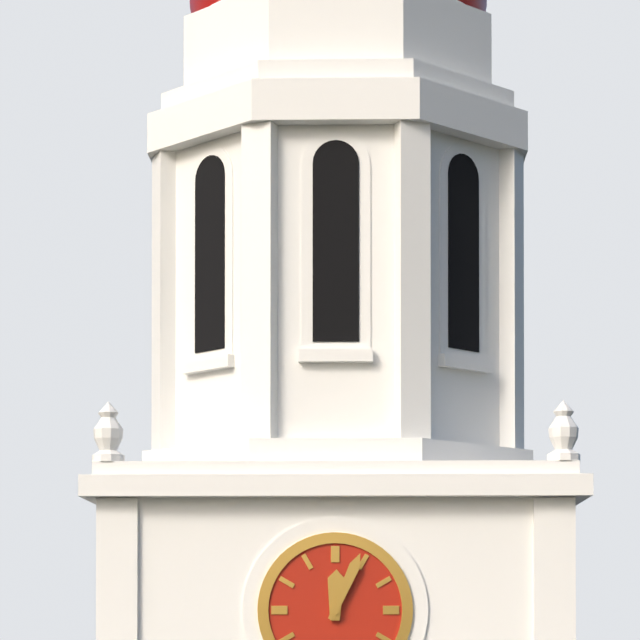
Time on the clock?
12:04
